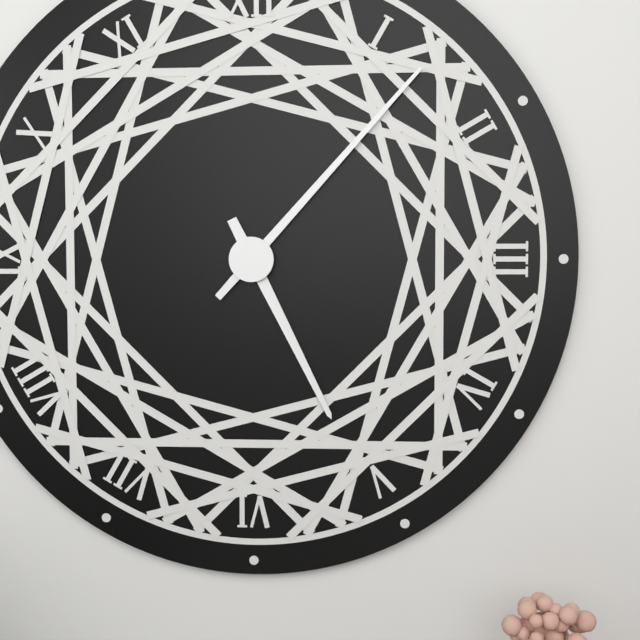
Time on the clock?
5:07
